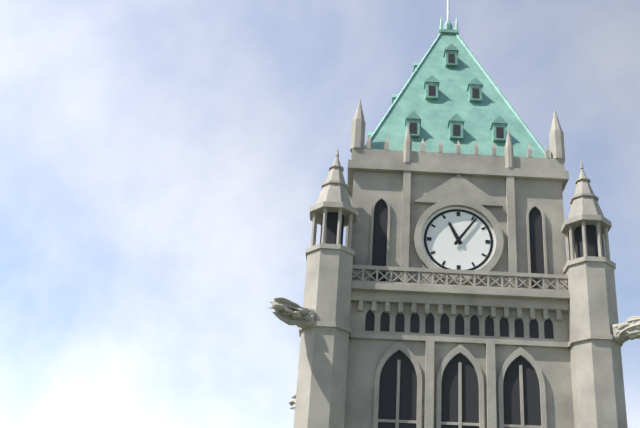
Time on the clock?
11:06
